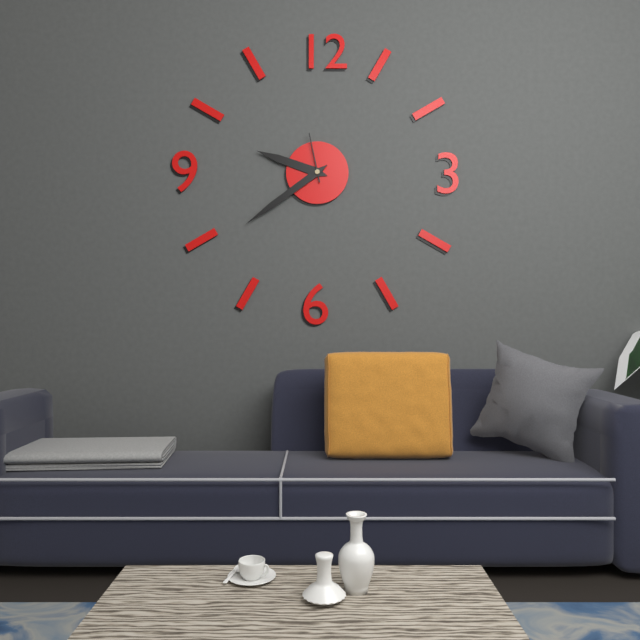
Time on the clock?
9:39:58
